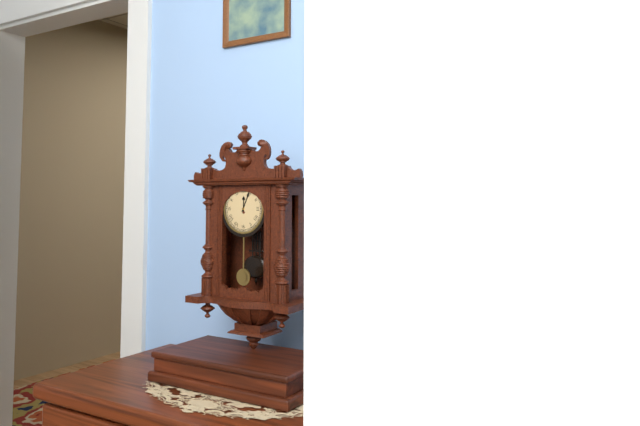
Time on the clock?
12:04
